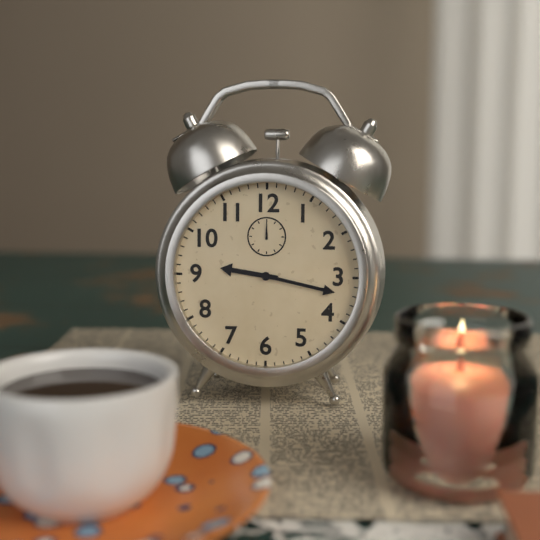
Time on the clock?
9:17
